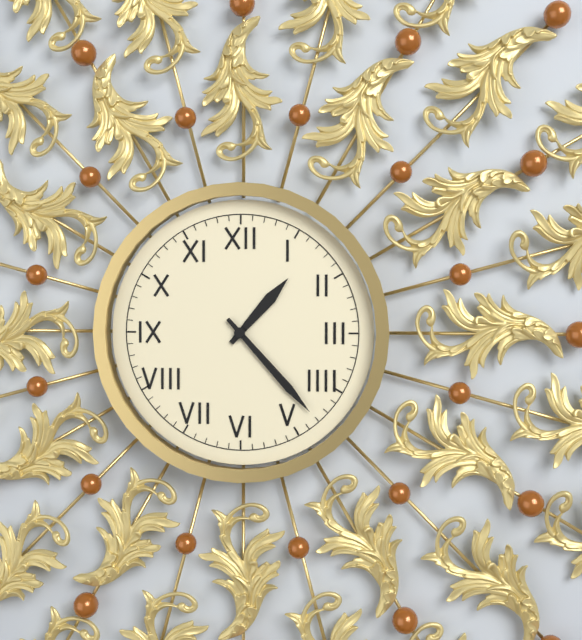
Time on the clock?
1:23
